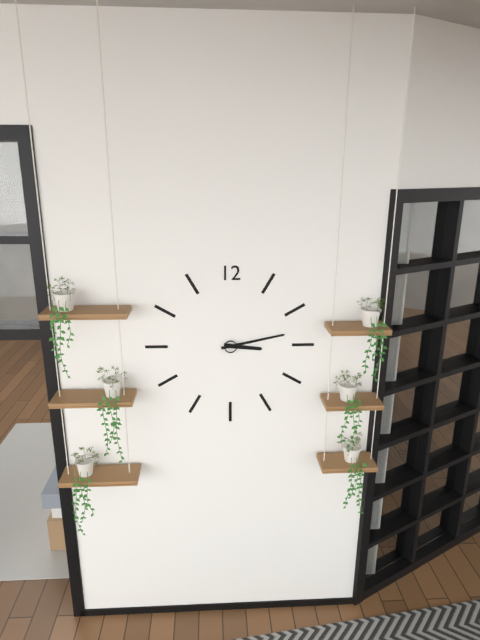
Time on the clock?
3:13
